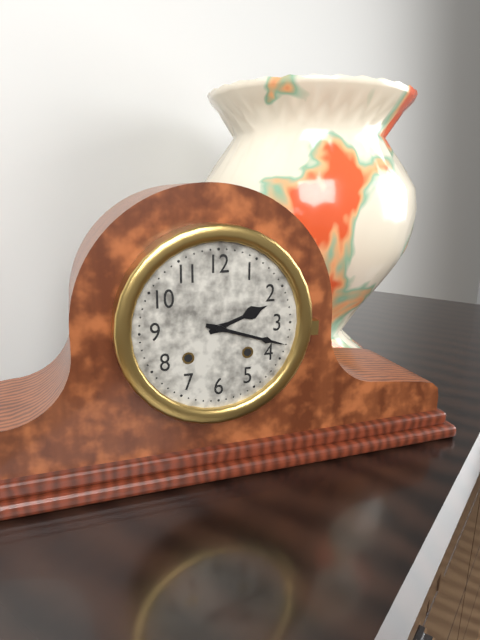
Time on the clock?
2:18
